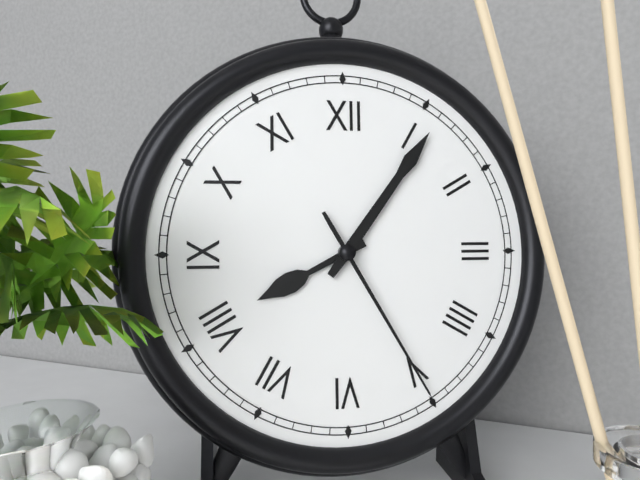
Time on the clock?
8:06:25
